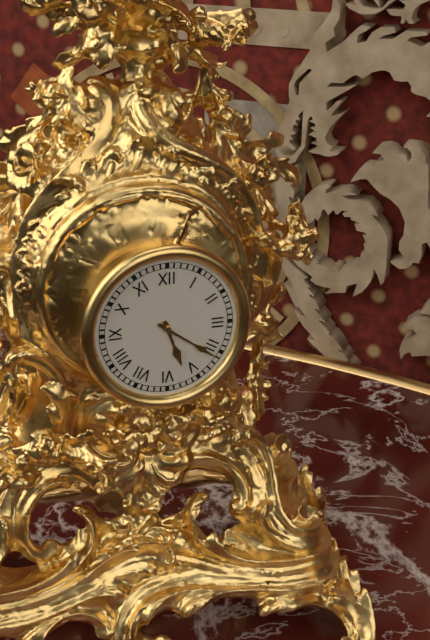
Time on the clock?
5:21
